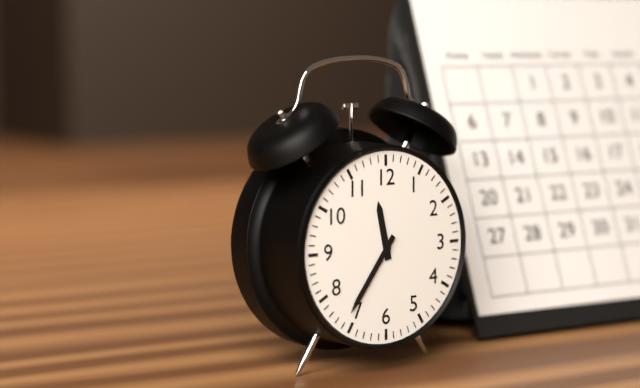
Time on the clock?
11:36
